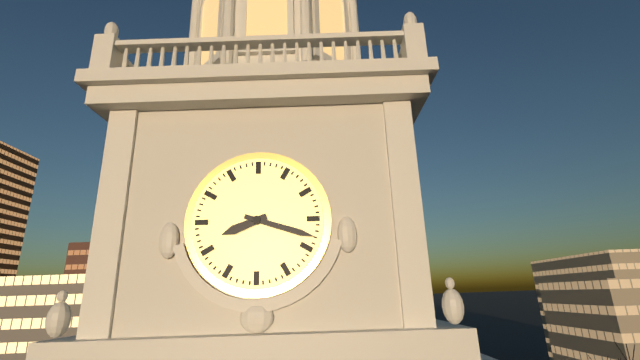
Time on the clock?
8:18
